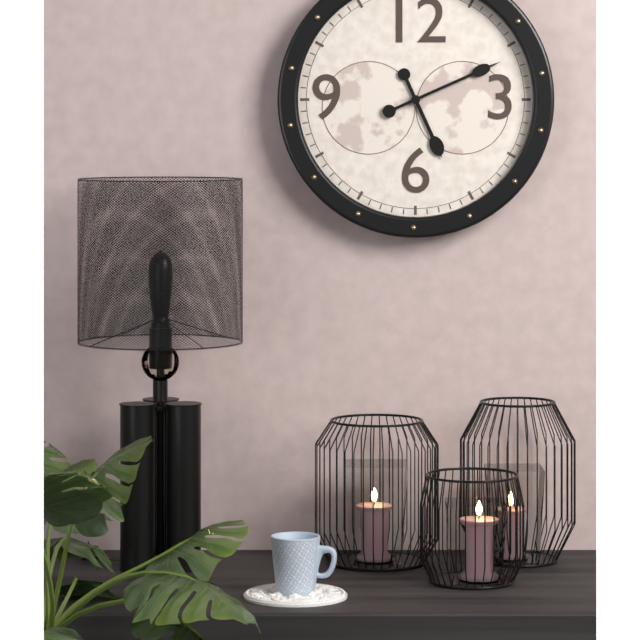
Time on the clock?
5:11
